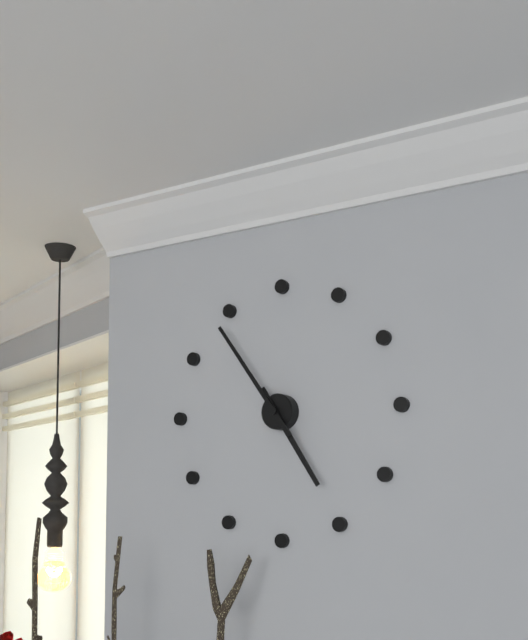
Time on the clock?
4:54
